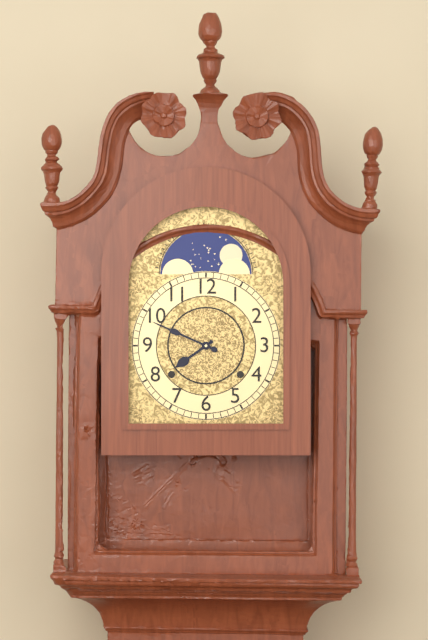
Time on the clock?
7:49
